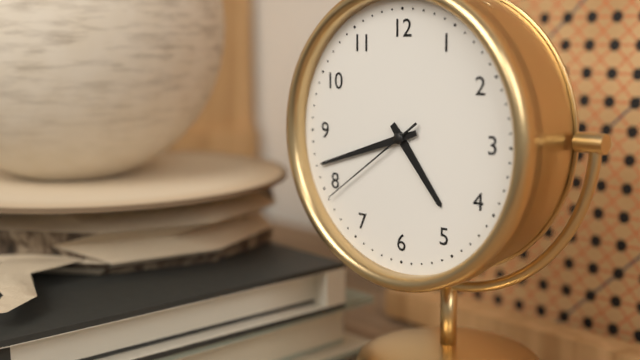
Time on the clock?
4:42:39
